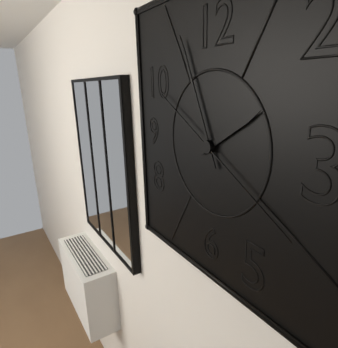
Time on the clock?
1:56:20
